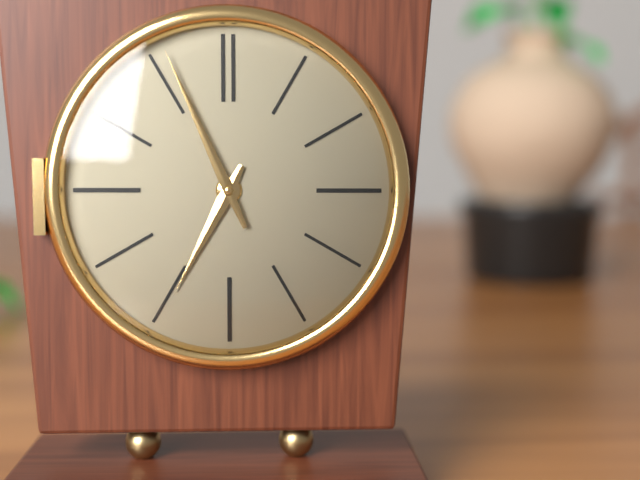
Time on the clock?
6:56
